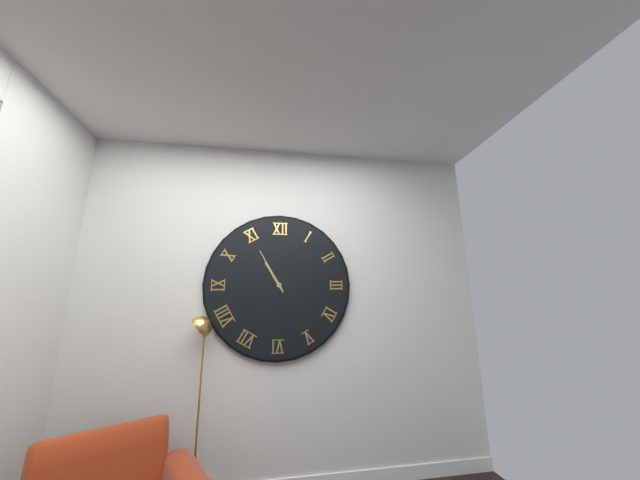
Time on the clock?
10:55
